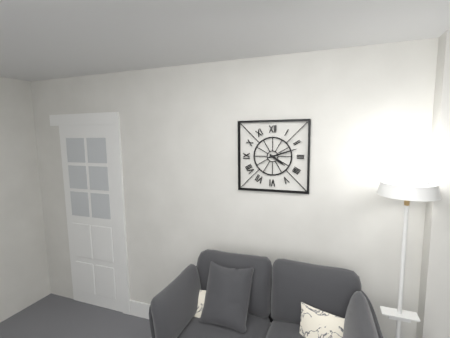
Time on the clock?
4:12
